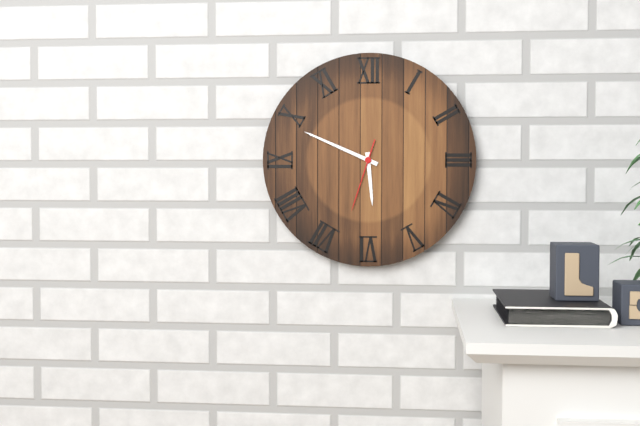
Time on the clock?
5:49:33
